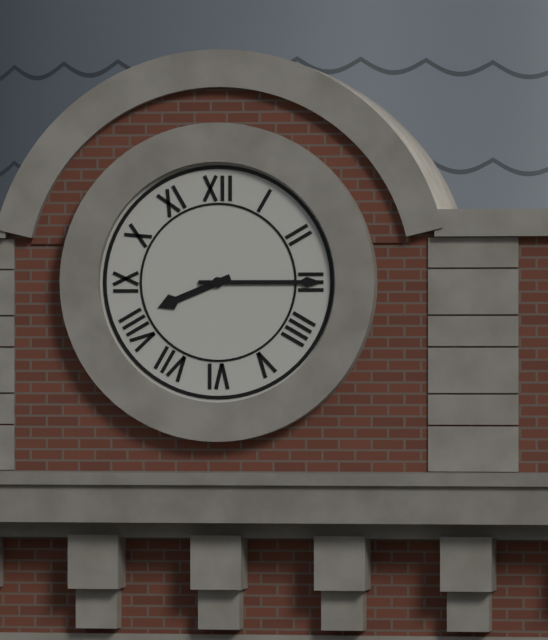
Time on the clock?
8:15
